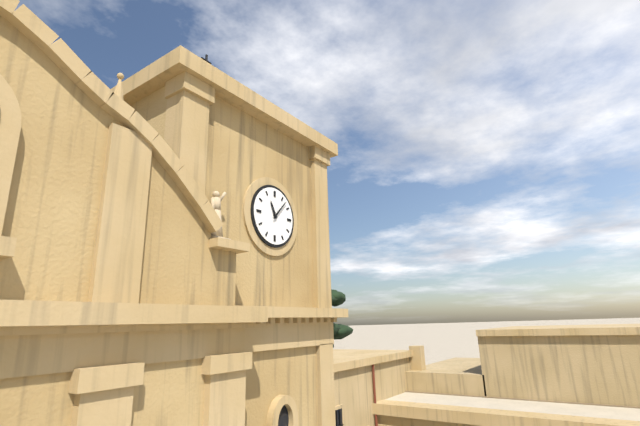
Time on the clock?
11:07
